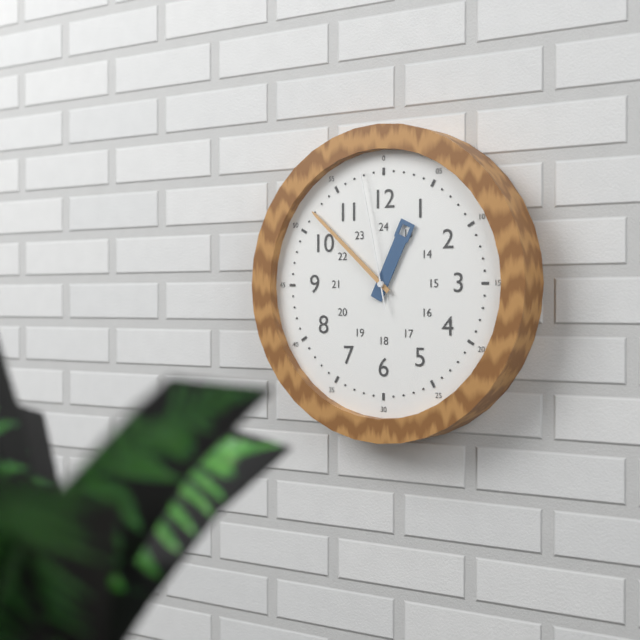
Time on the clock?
12:52:58
